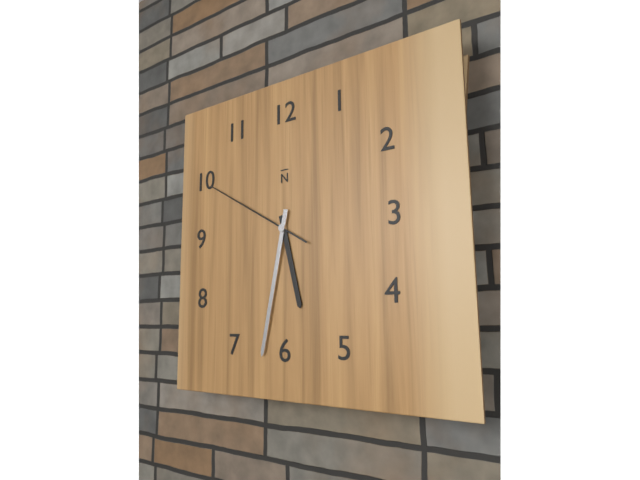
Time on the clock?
5:32:50
